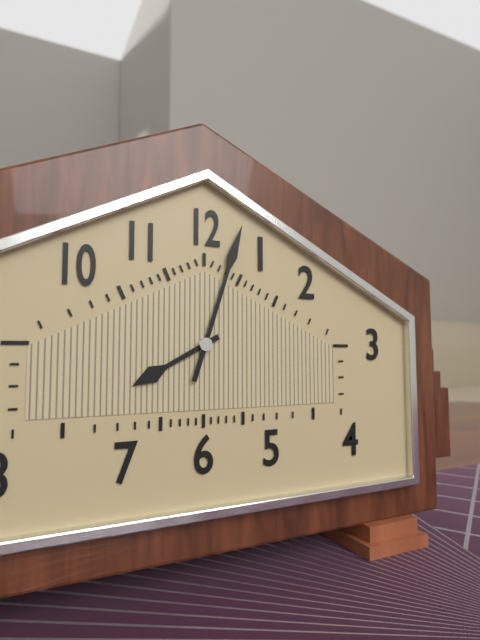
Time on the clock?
8:03
